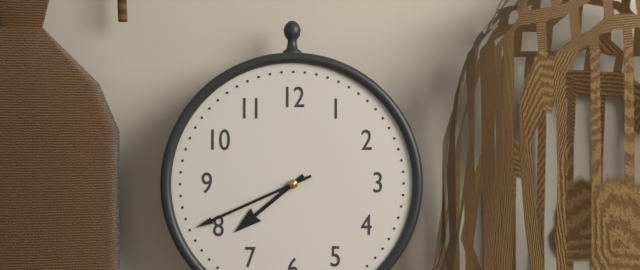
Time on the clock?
7:41
